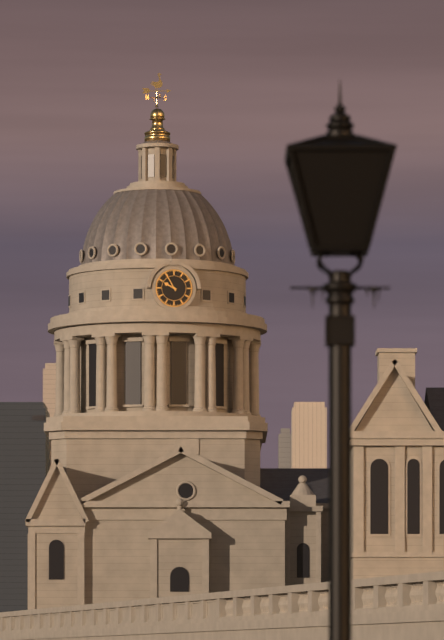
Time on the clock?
9:55
